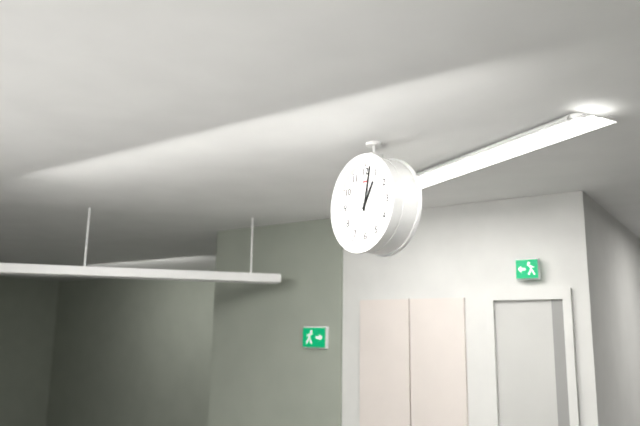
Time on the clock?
1:02
